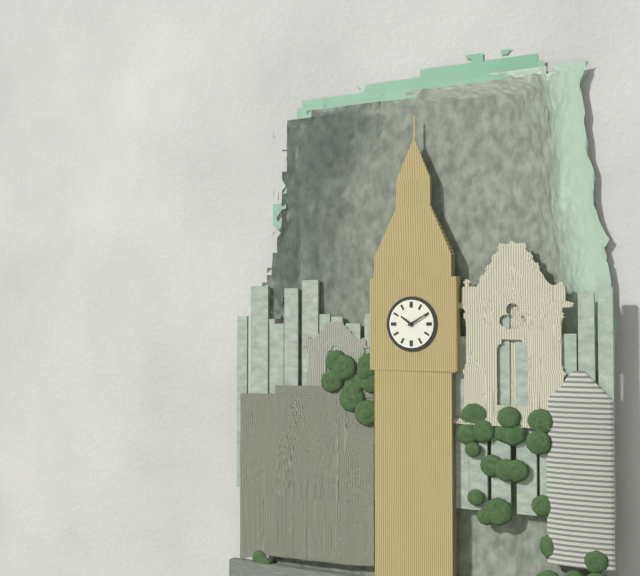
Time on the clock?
10:10
